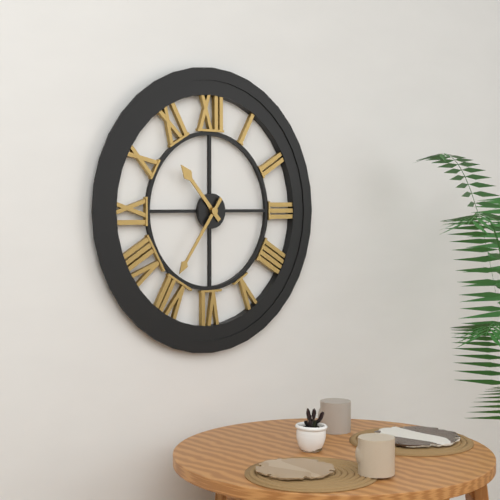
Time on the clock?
10:36
